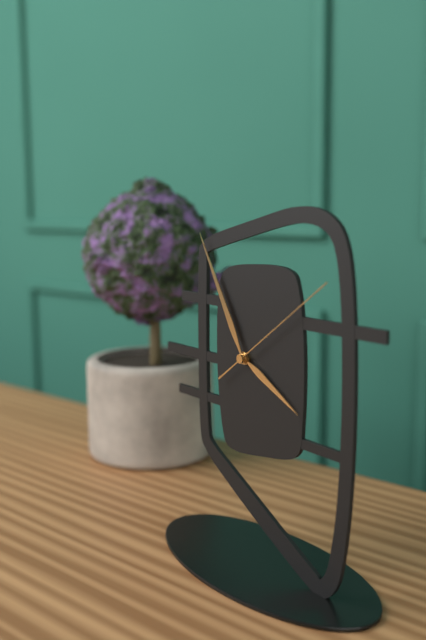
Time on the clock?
3:55:09
